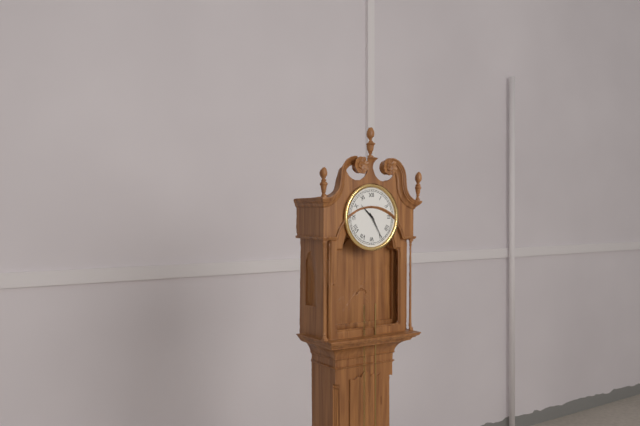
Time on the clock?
10:25
